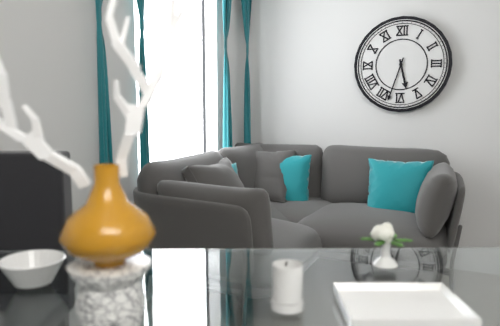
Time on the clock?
5:33
